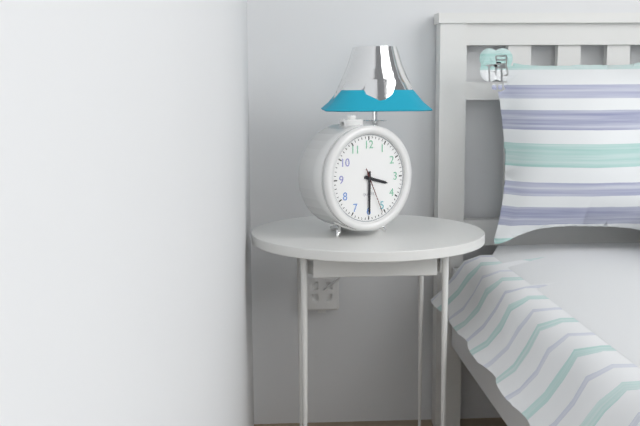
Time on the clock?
3:30
